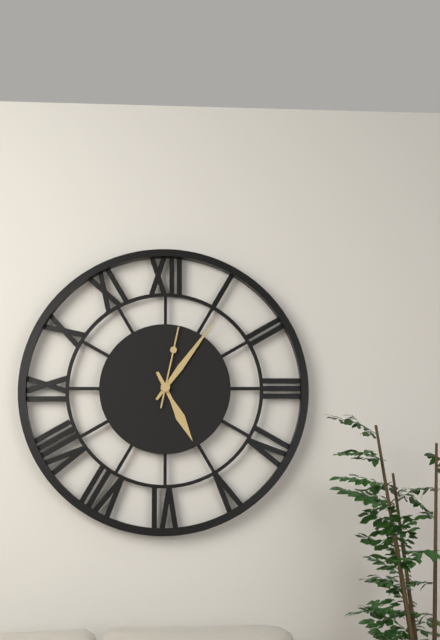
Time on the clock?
5:06:02
